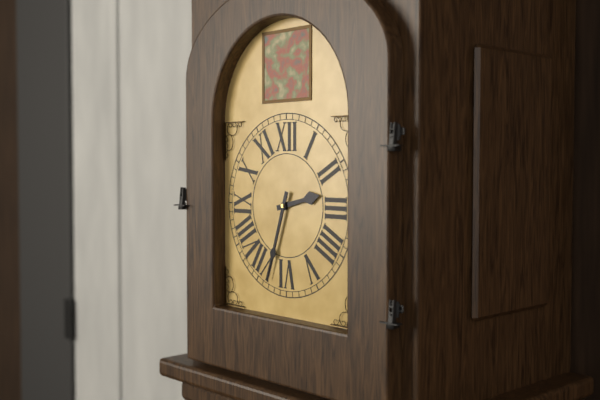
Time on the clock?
2:33
